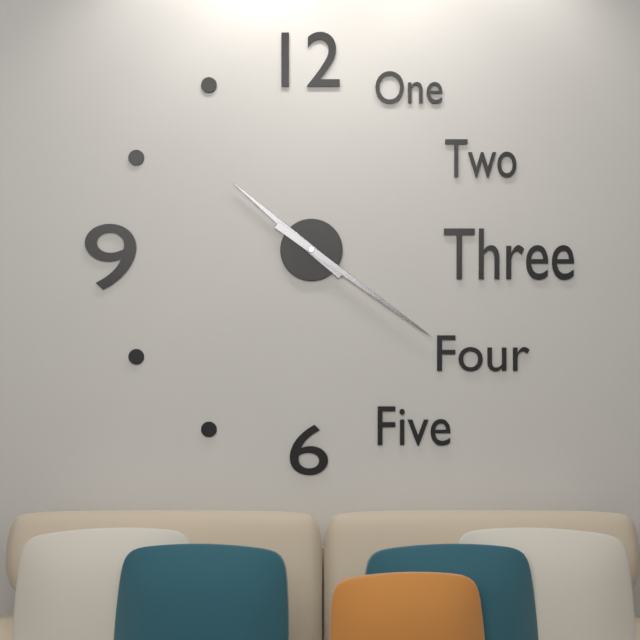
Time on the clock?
10:21
